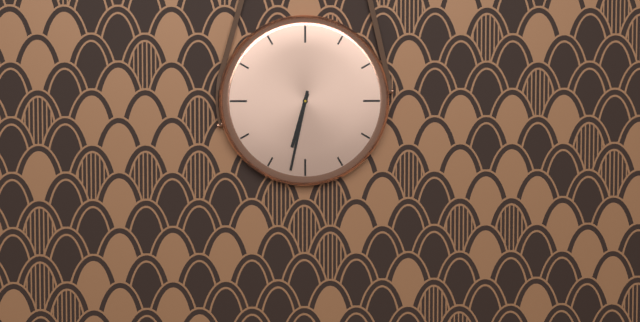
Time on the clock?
6:32
